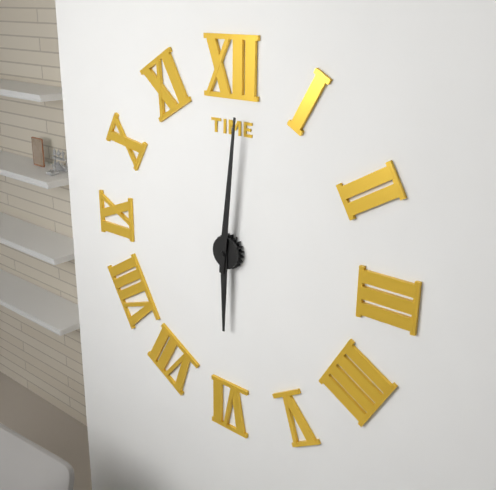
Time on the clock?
6:01
